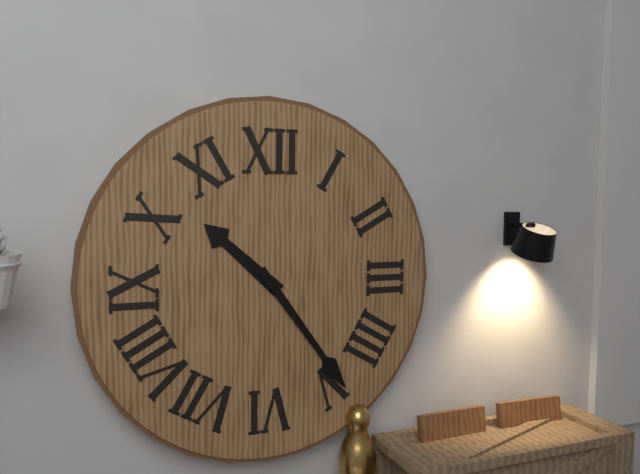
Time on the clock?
10:24
